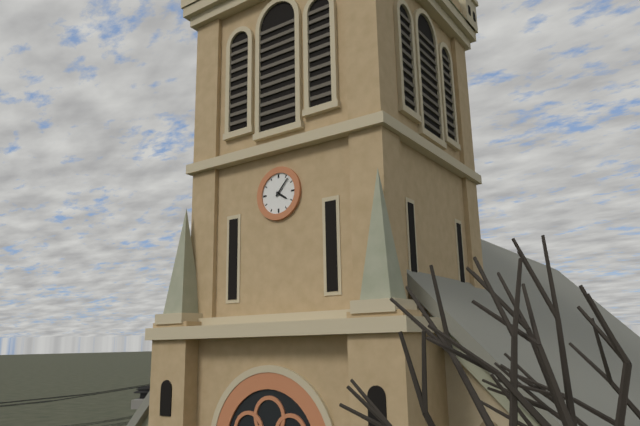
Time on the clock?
4:07
